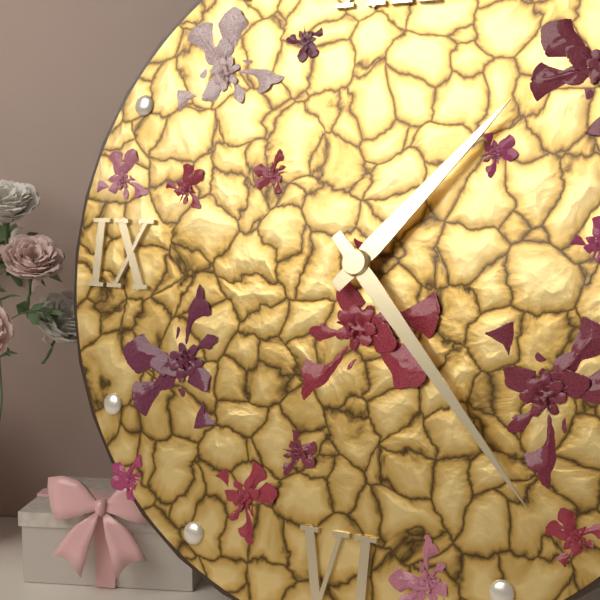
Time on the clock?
1:23
